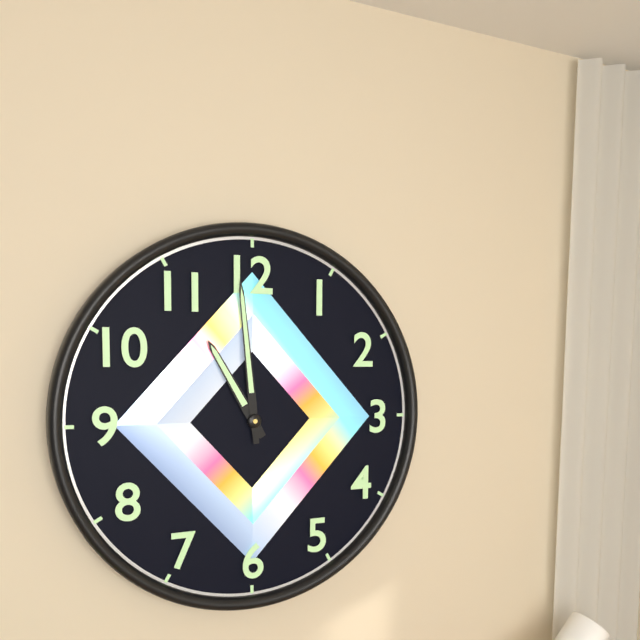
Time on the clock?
10:59
